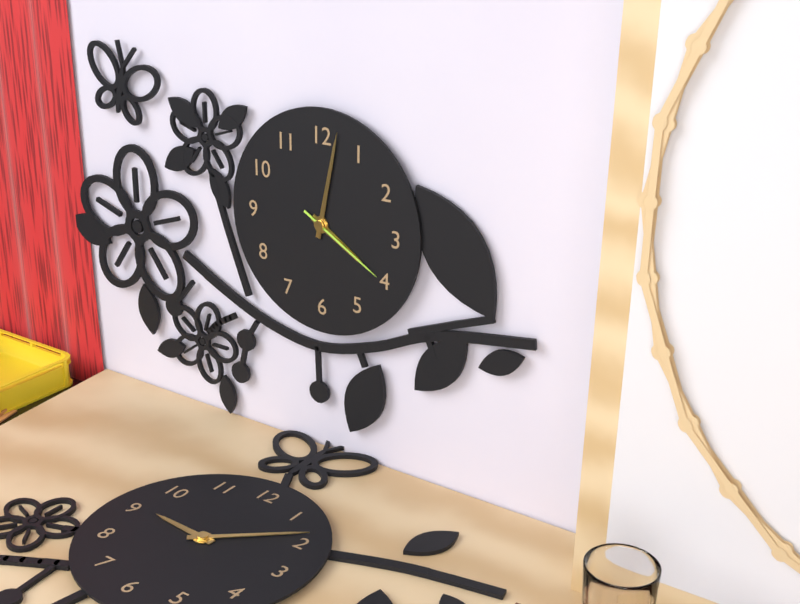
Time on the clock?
4:02:20
